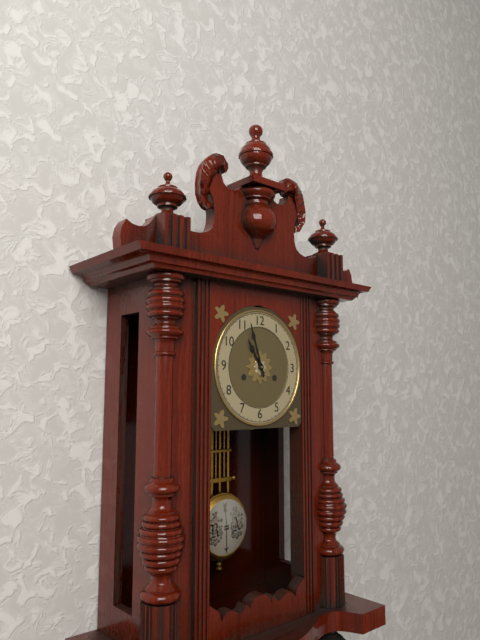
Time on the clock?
10:57
